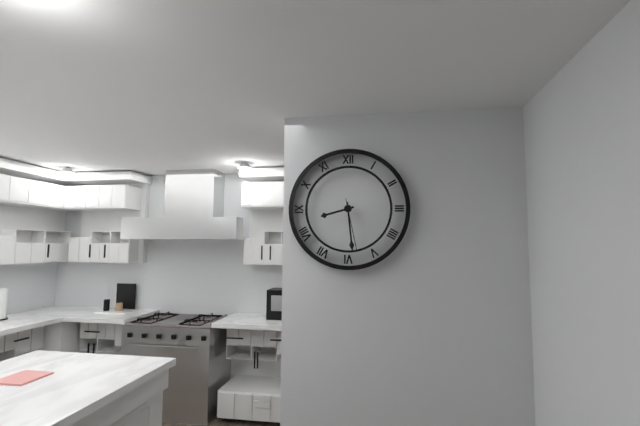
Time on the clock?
8:29:28
